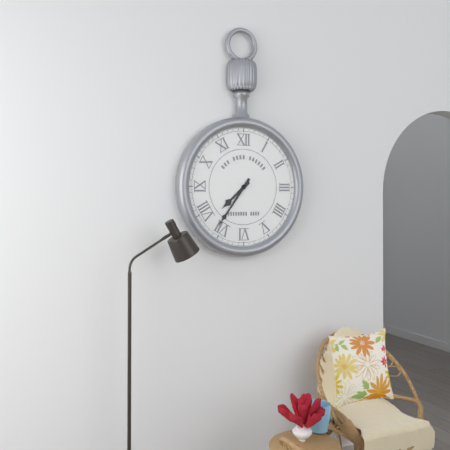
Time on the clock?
7:36
